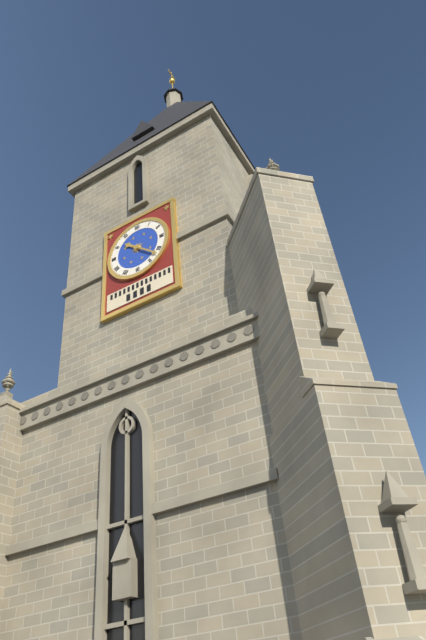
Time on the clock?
10:22
